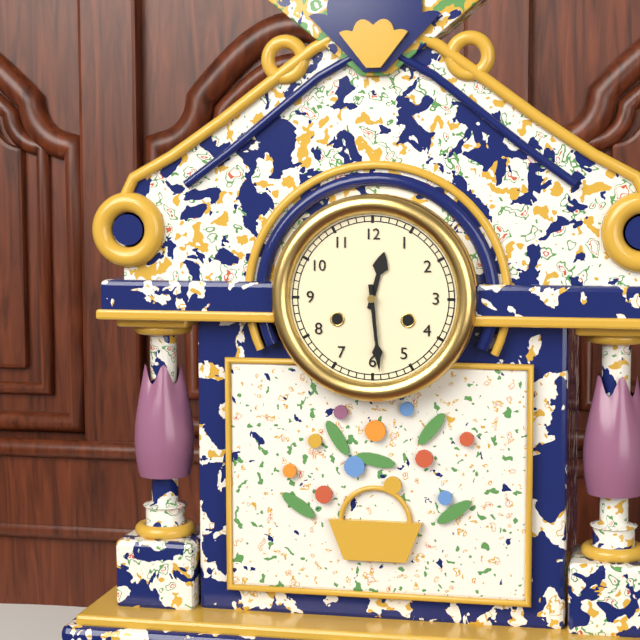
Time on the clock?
12:29
